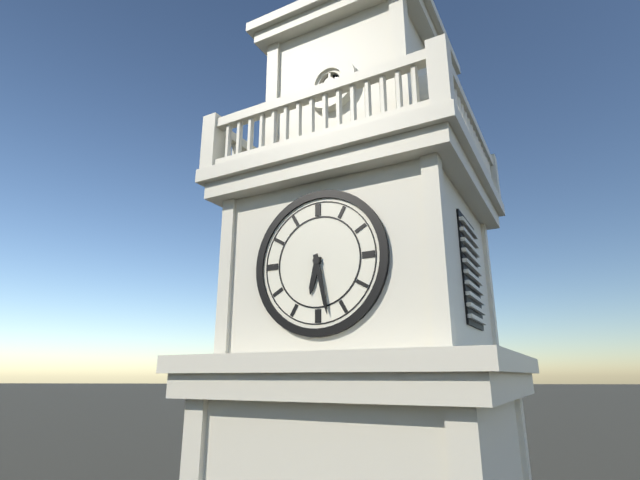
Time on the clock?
6:28
